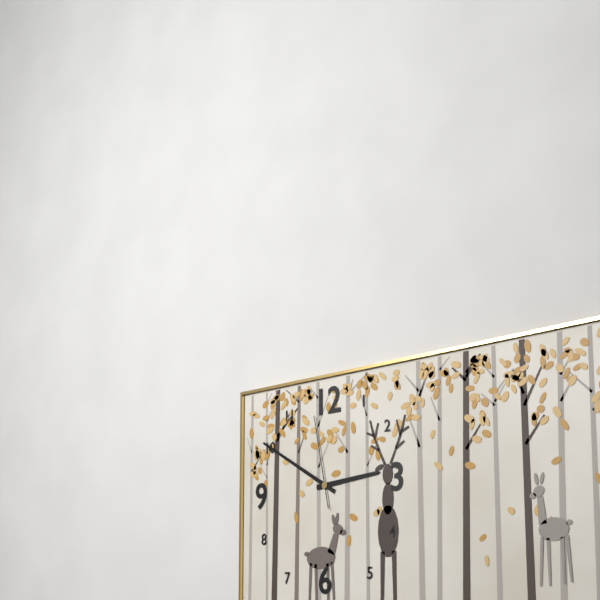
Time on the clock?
2:50:58
